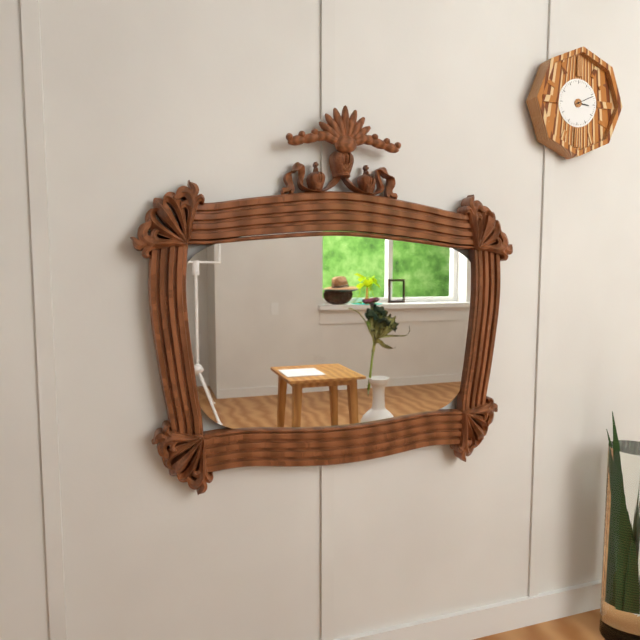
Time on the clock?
3:11
